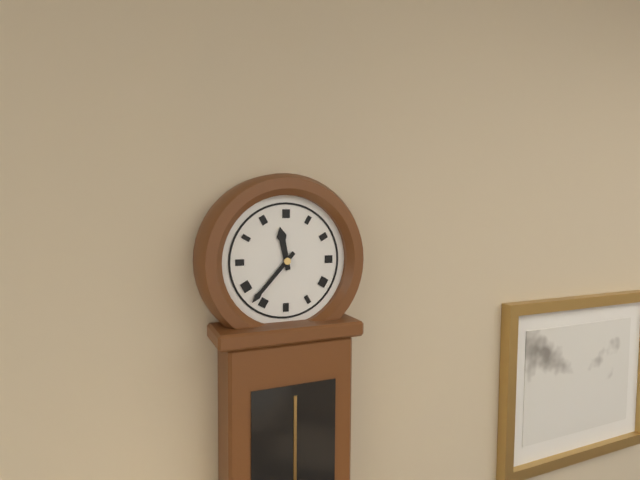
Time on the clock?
11:37
